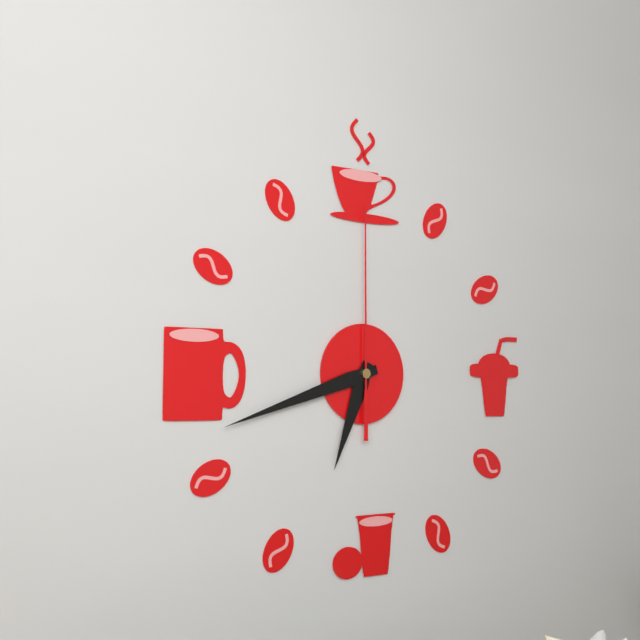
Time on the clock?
6:42:00
